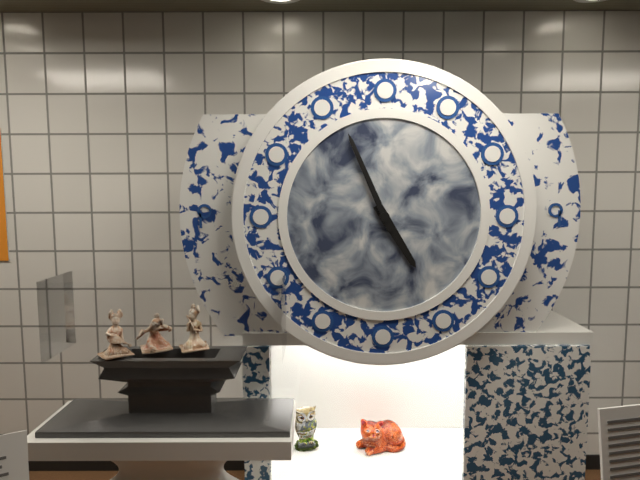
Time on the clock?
4:56
